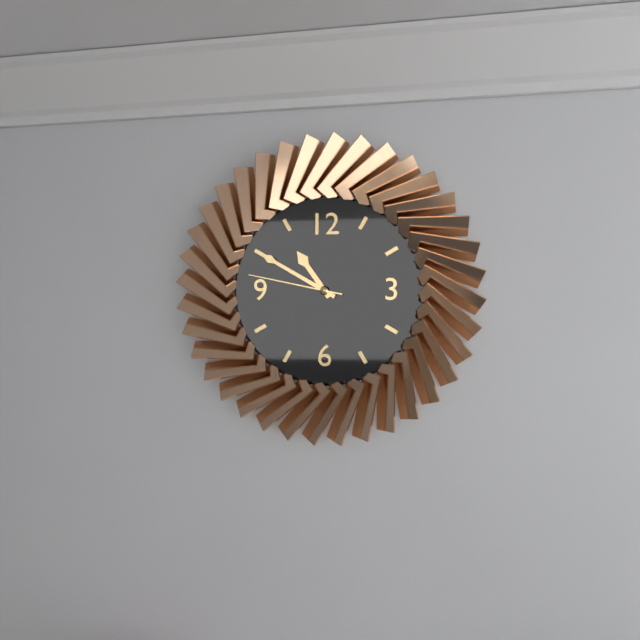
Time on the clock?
10:50:47
